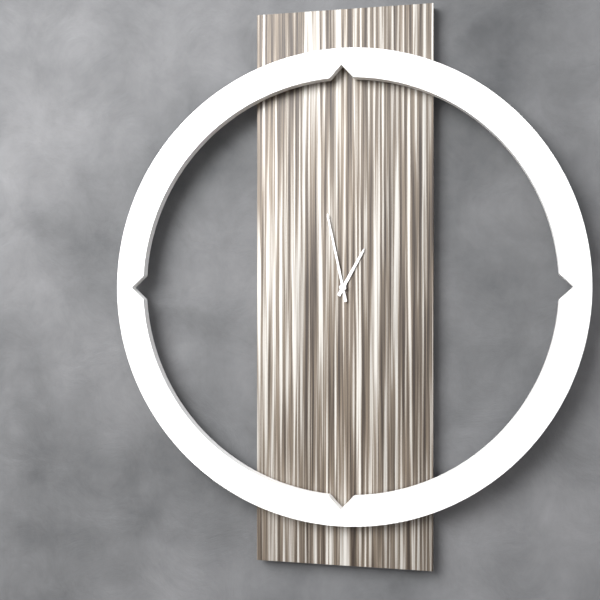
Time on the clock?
12:58
